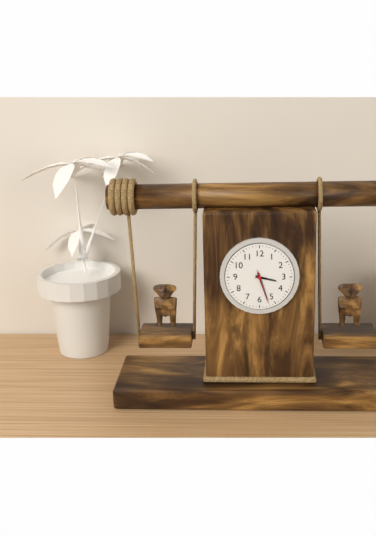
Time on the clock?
3:27
